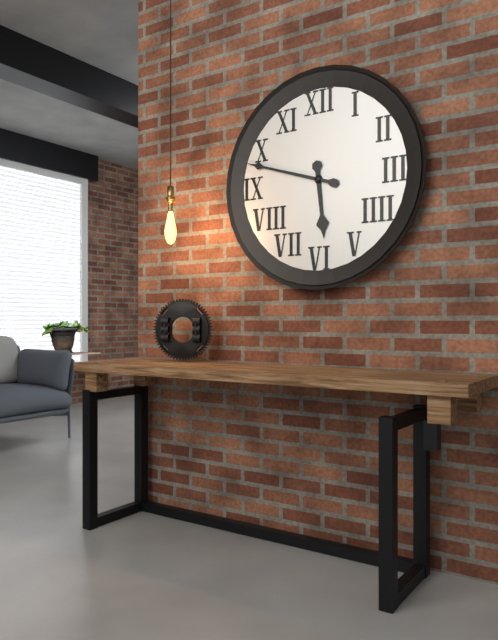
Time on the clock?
5:48
